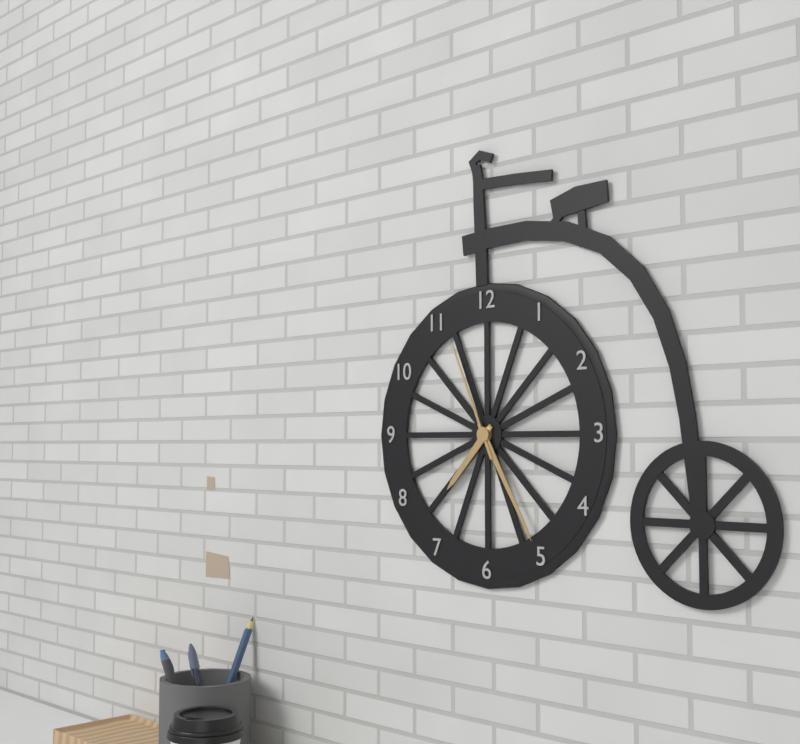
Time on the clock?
7:25:56
